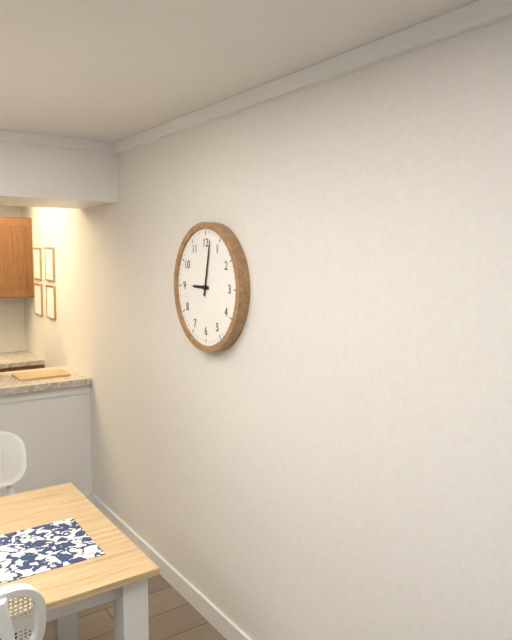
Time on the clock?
9:02
